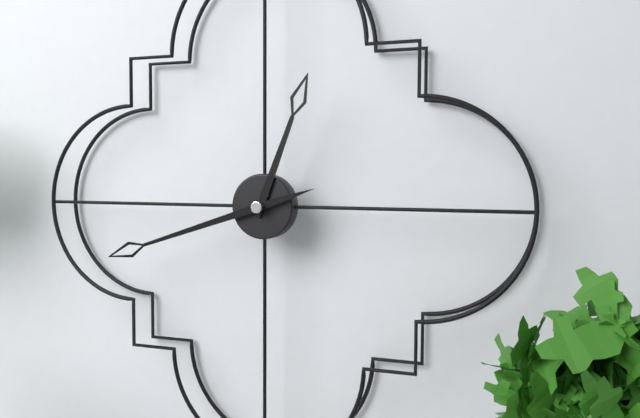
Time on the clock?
12:42
